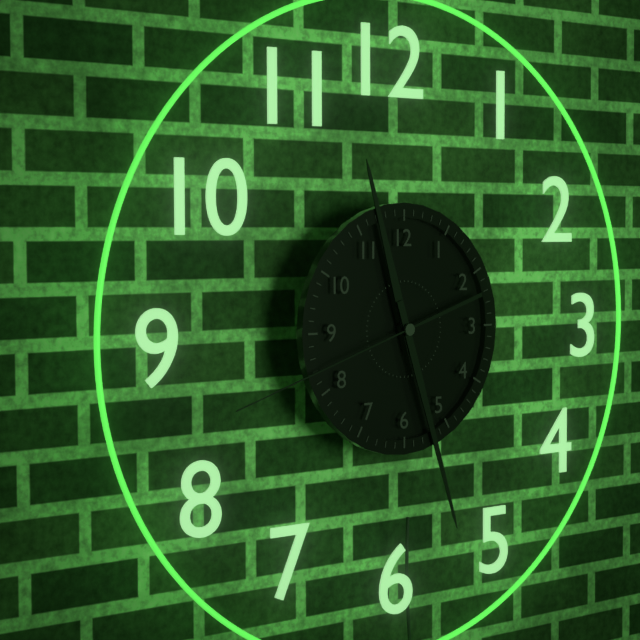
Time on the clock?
11:27:42
